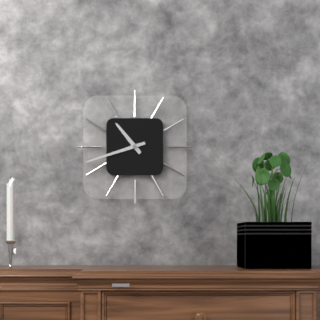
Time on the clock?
10:42
